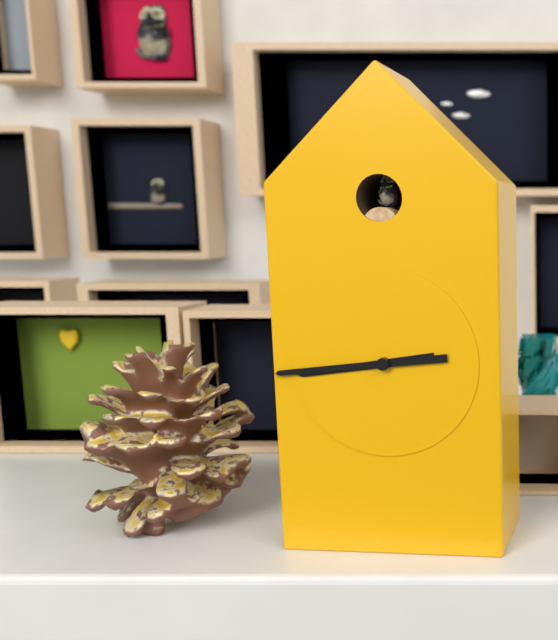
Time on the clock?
8:44
